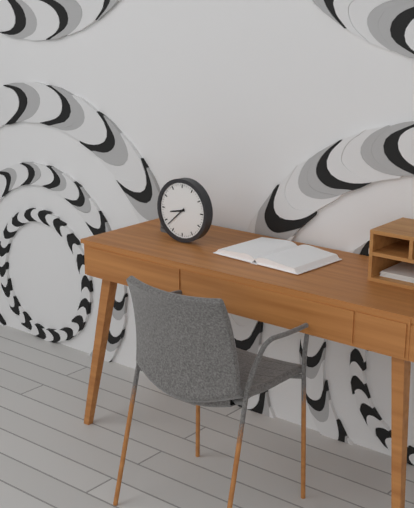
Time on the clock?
8:38
